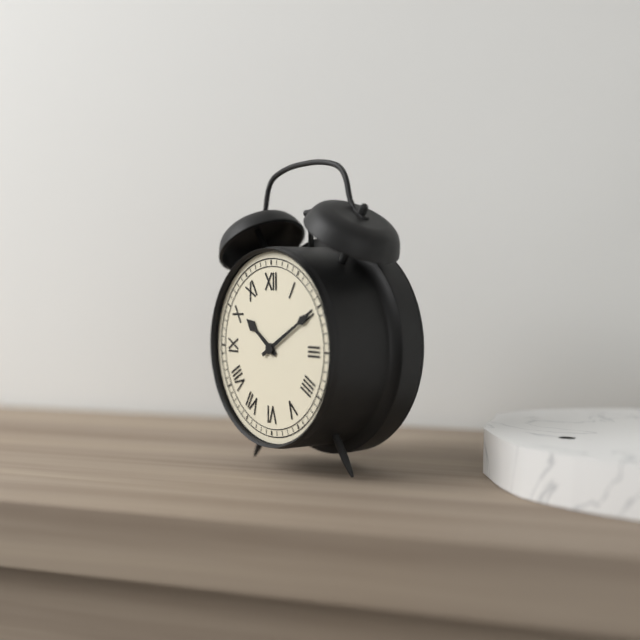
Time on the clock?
10:10
